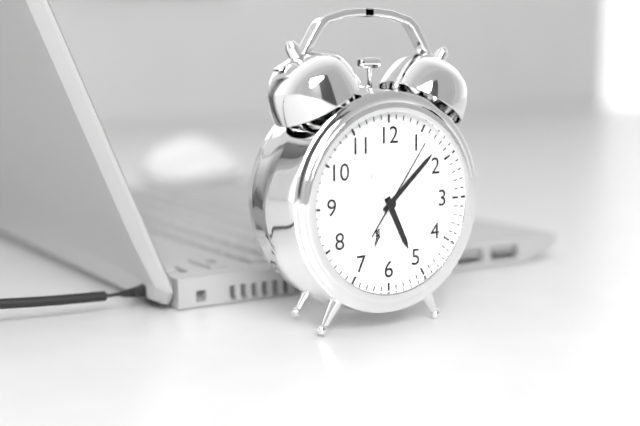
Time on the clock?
5:08:06
